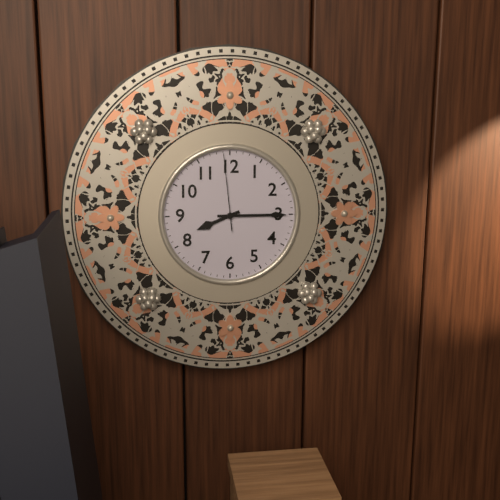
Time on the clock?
8:15:59
